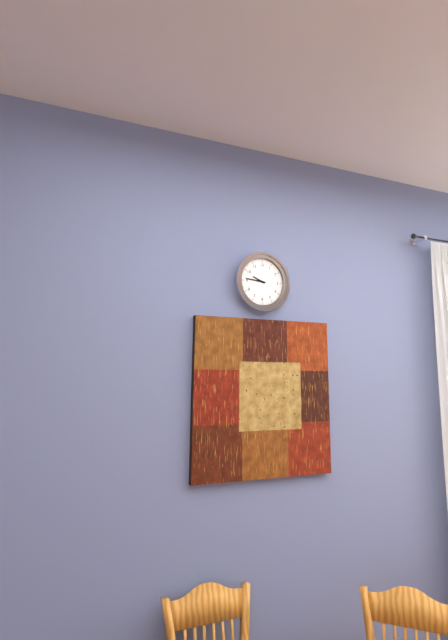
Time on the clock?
9:46
